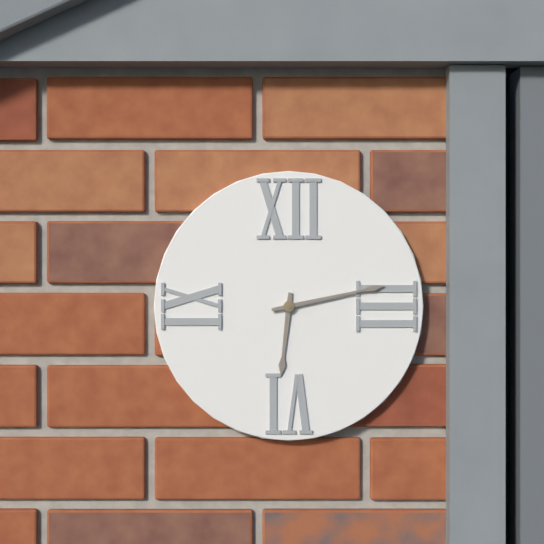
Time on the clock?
6:13
